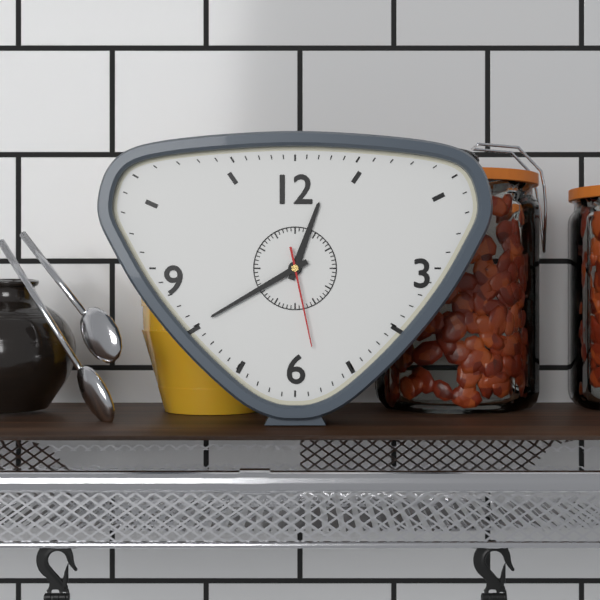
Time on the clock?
12:40:28
